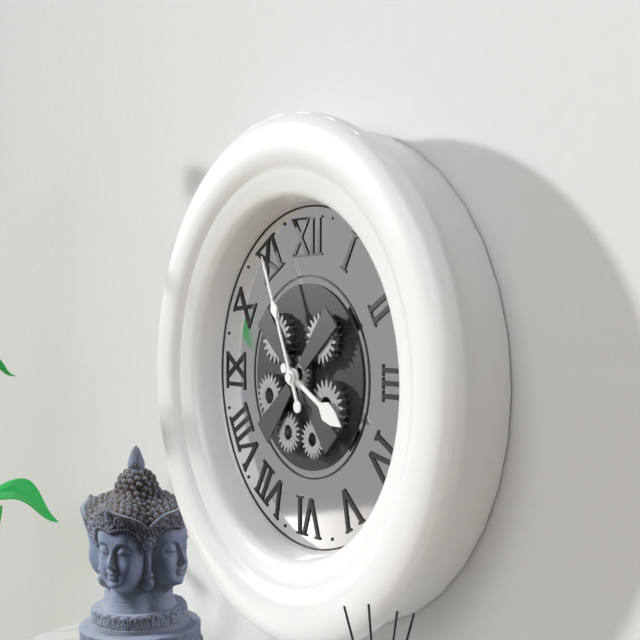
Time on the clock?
3:56
